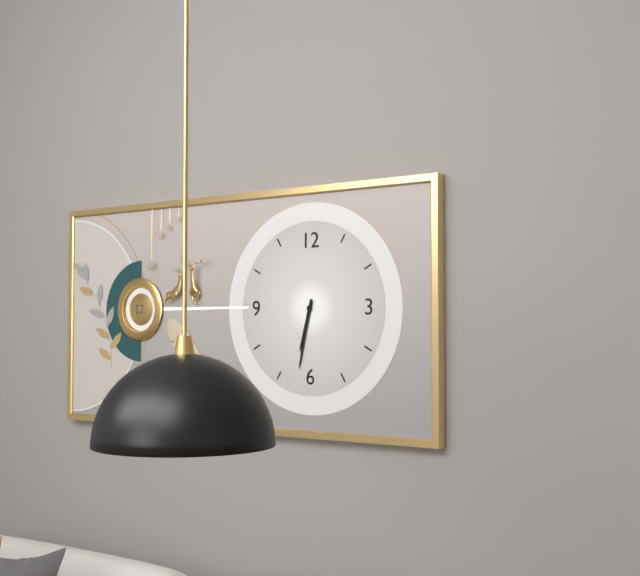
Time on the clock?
6:32
